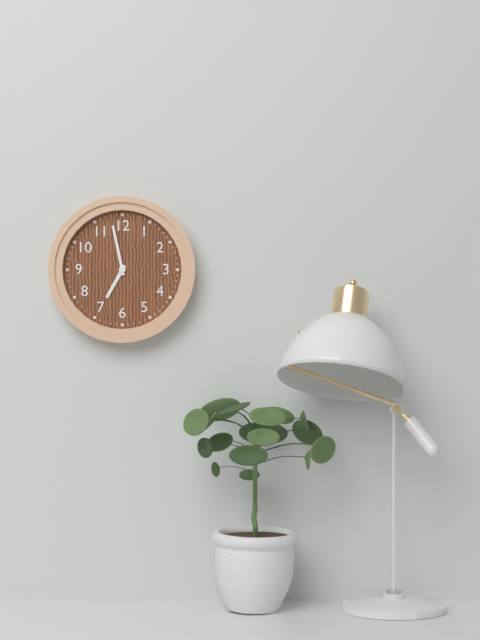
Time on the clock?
6:58
